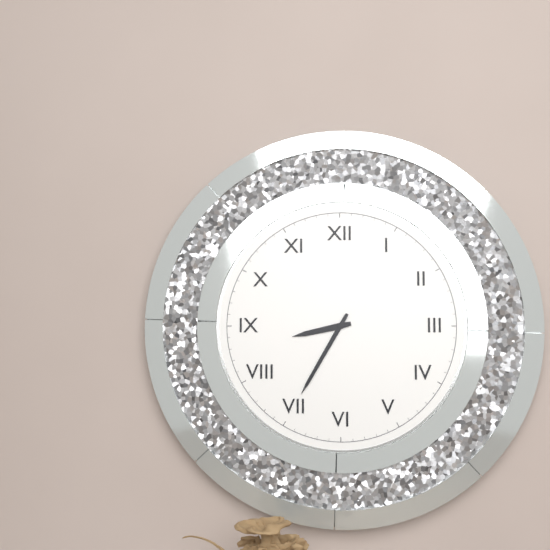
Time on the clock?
8:35
